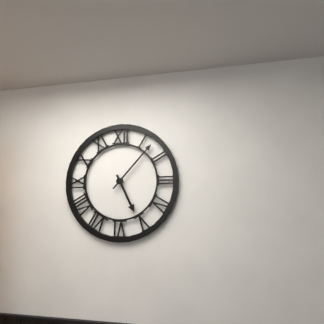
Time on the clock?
5:07
